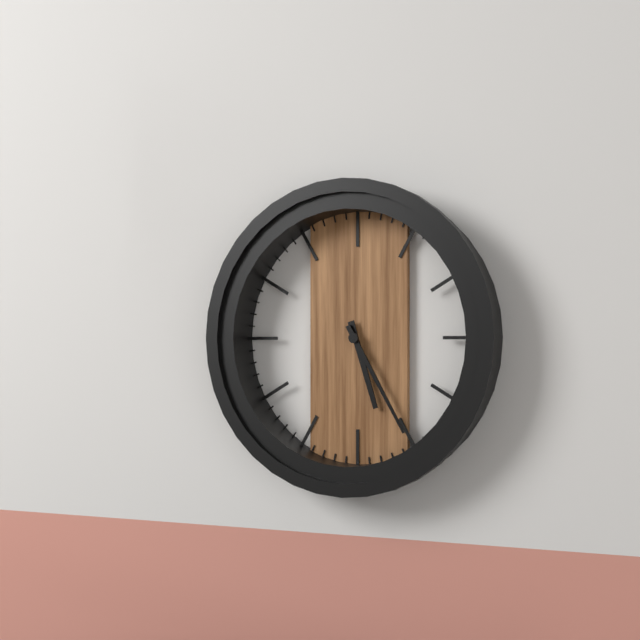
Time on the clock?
5:25
